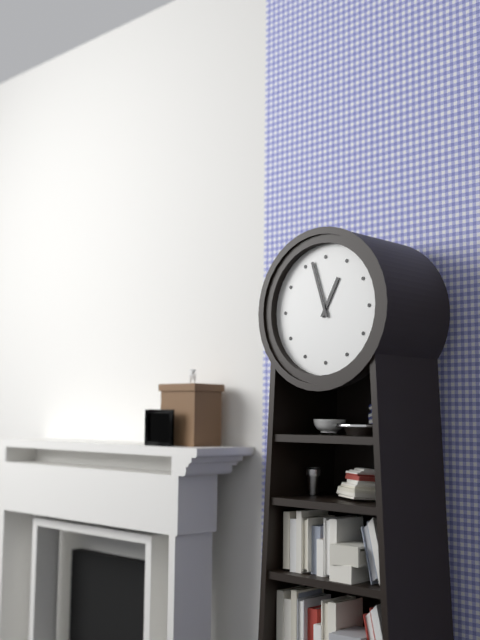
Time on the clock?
12:57
